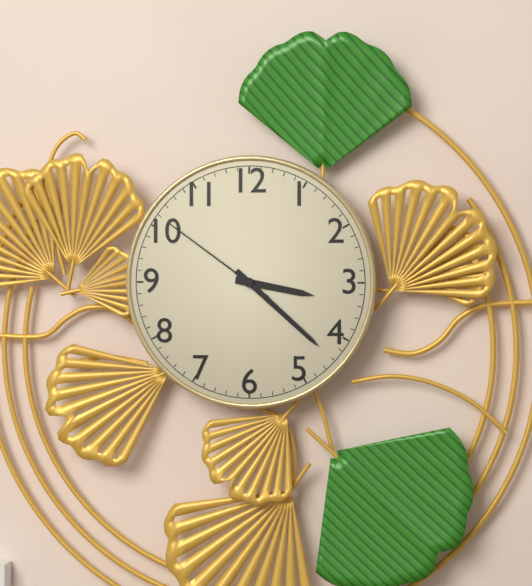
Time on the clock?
3:22:51
